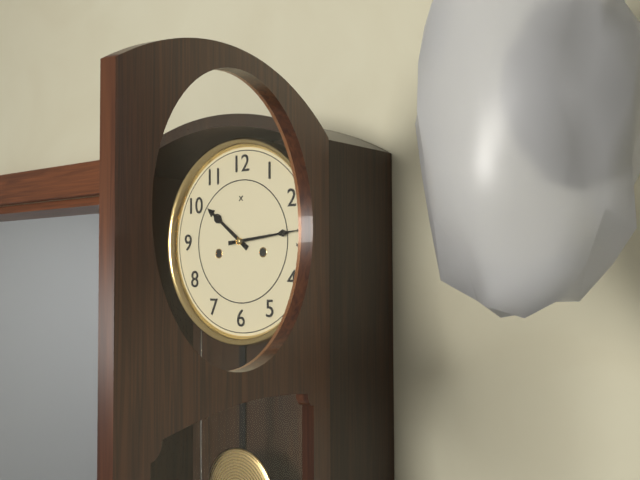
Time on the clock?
10:14
